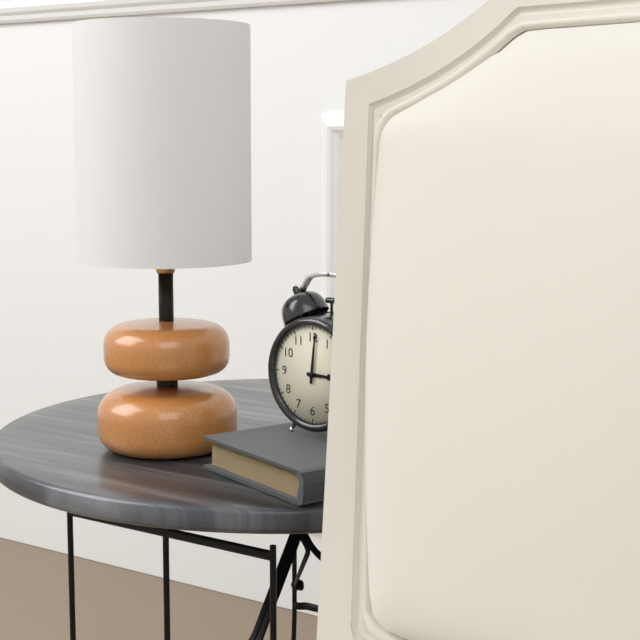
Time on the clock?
3:01
